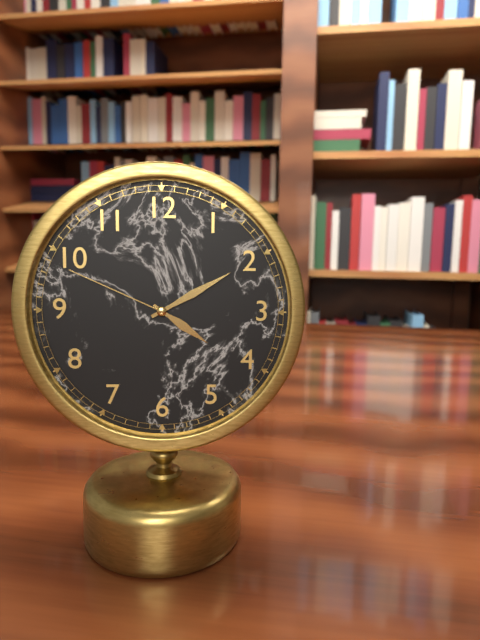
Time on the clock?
4:10:49
